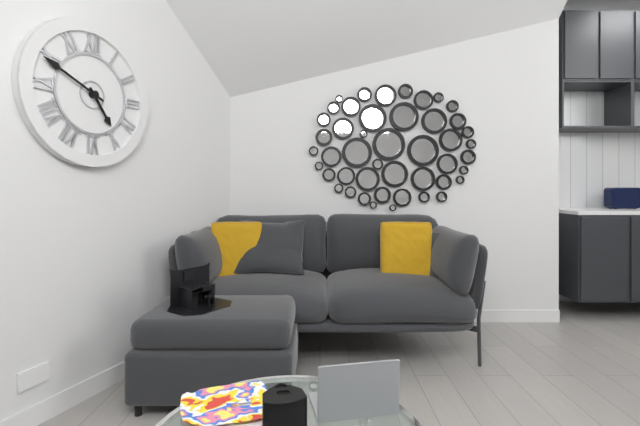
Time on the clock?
4:49
